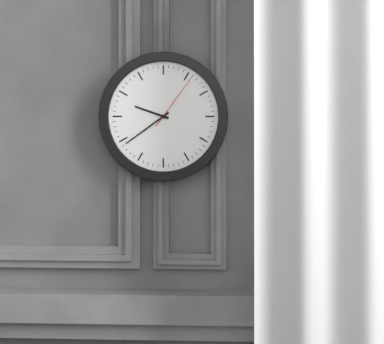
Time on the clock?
9:39:06
